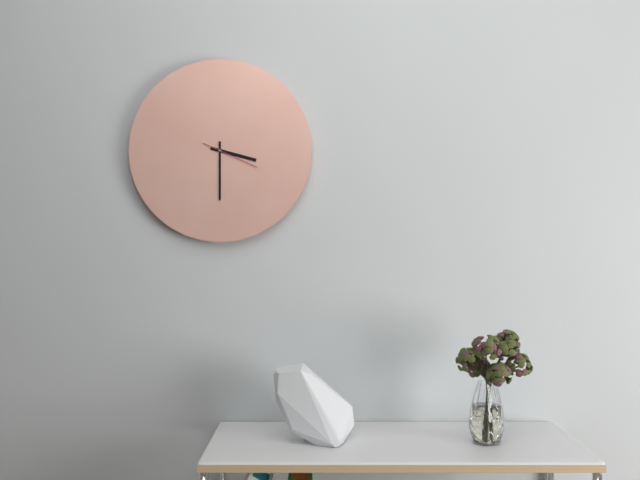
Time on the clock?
3:30:19
